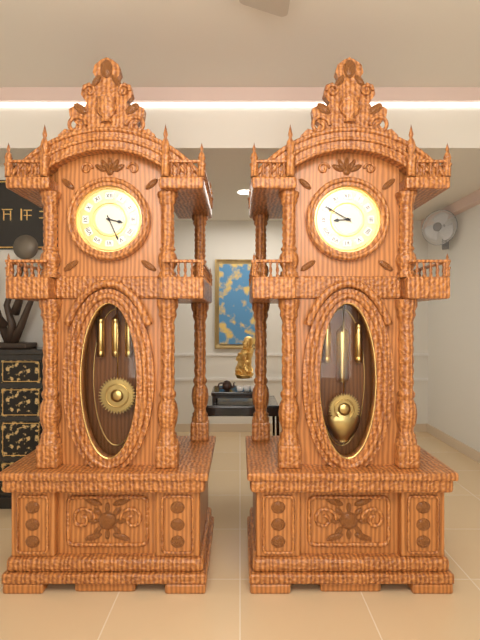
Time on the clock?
3:26
